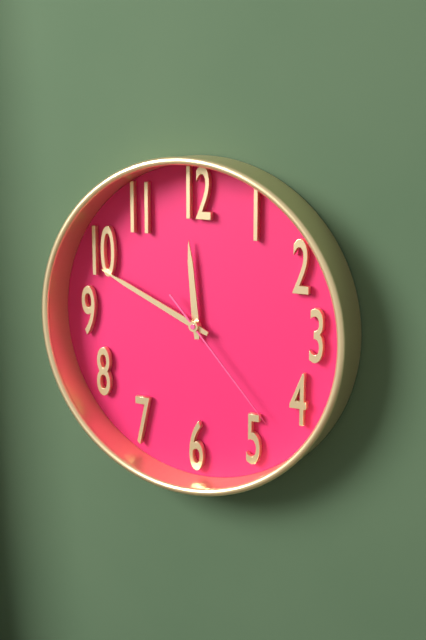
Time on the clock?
11:49:23
